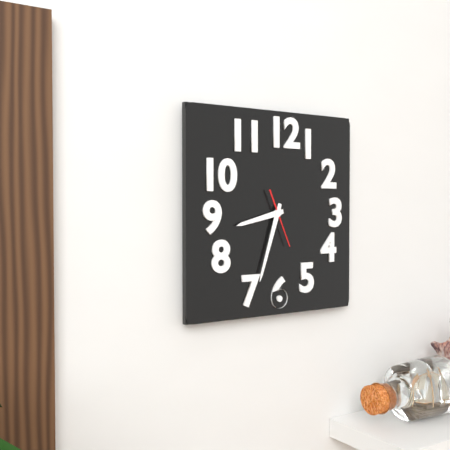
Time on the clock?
8:33
